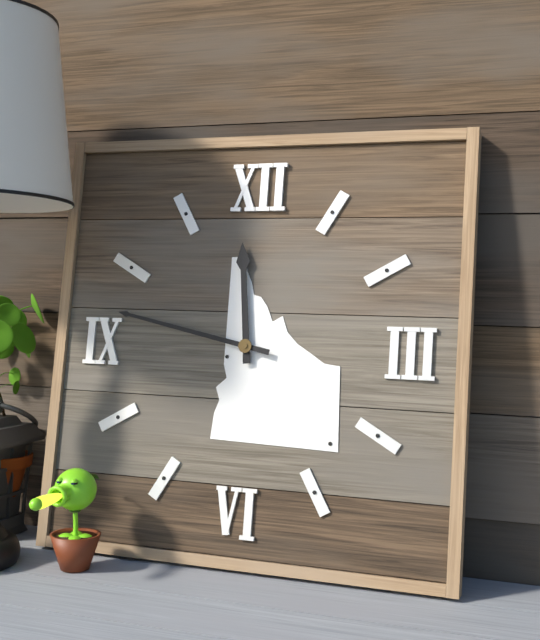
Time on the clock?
11:47
